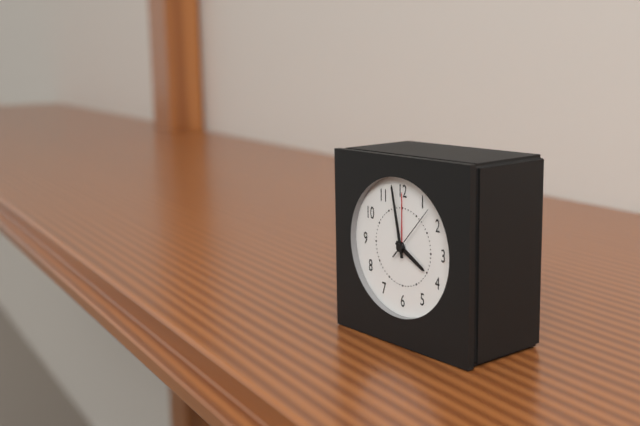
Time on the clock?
3:58:07
